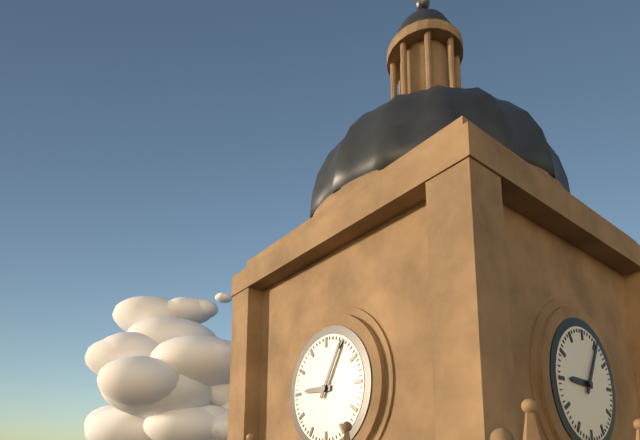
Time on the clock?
9:05
